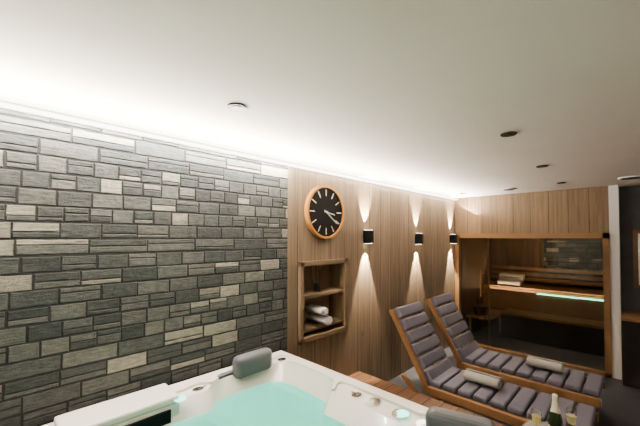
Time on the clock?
3:21
